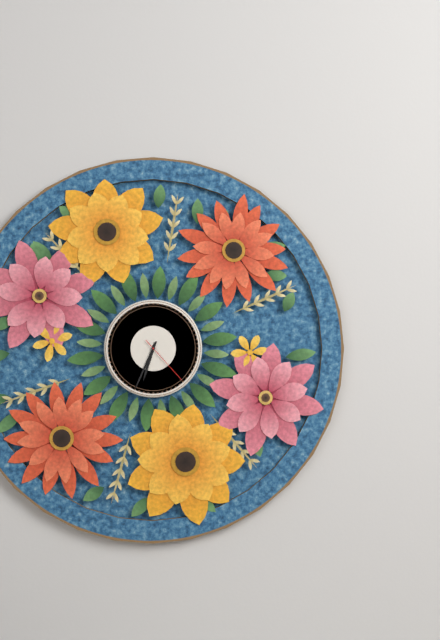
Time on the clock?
6:34:23
